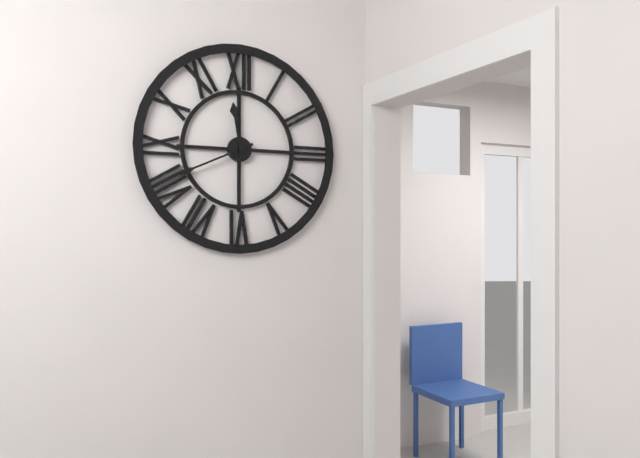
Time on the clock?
11:41
